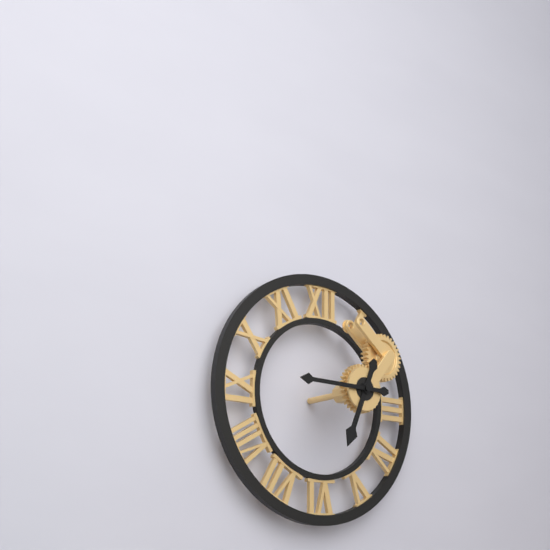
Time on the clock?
6:45
